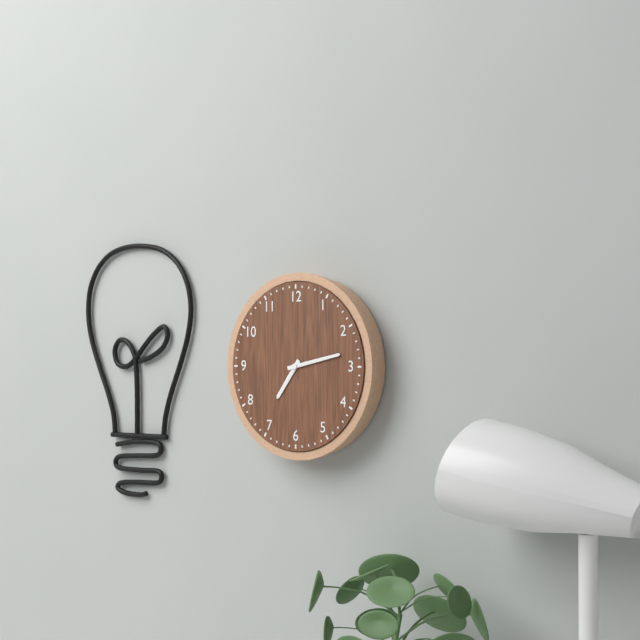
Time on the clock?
7:13
